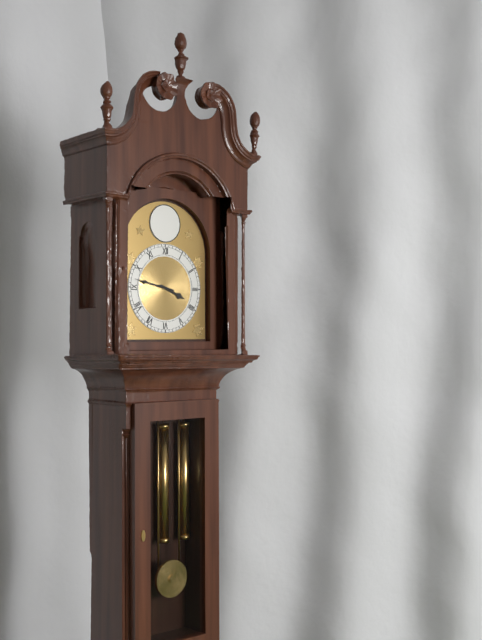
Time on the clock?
3:47
